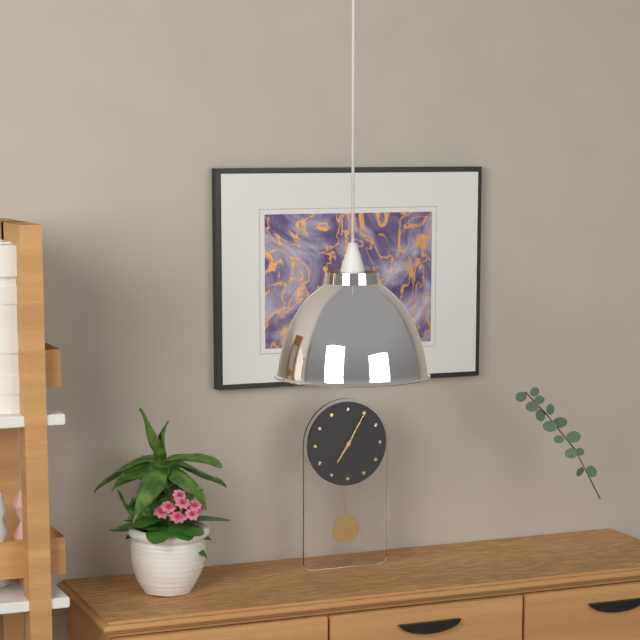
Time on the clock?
7:05
